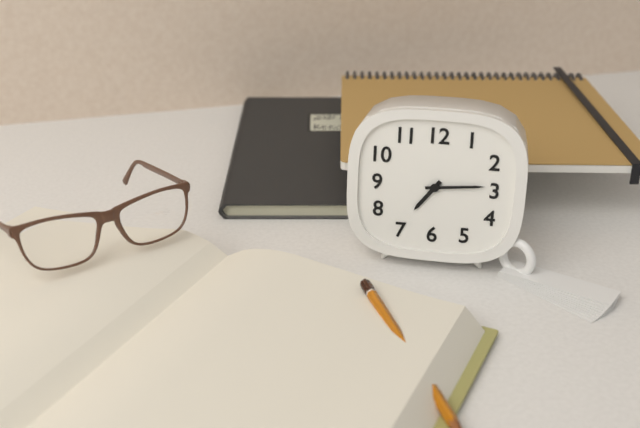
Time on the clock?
7:14
